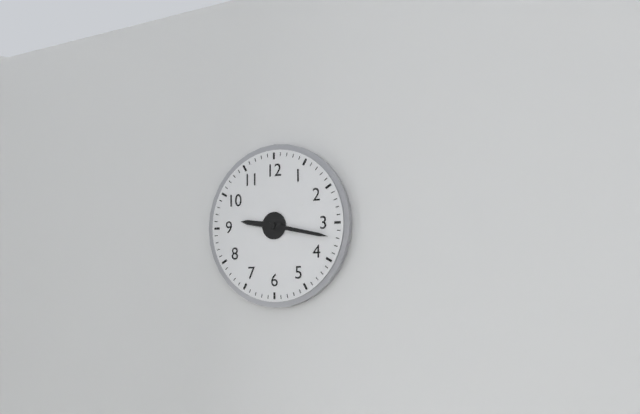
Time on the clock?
9:17
